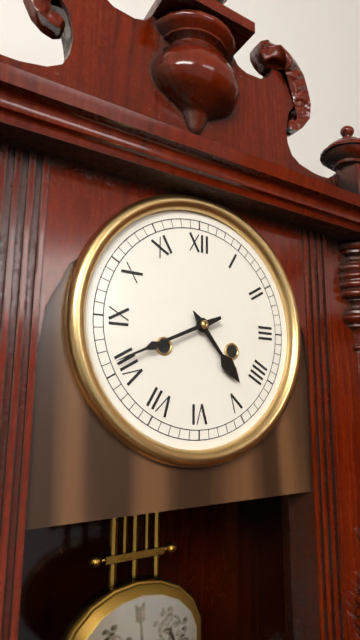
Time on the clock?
4:41
